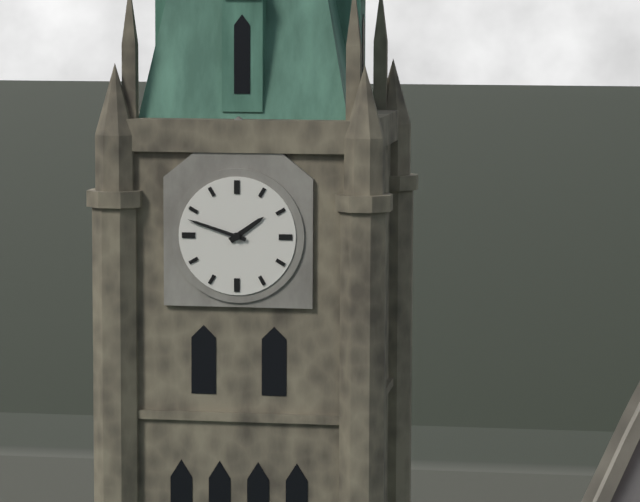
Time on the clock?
1:48
